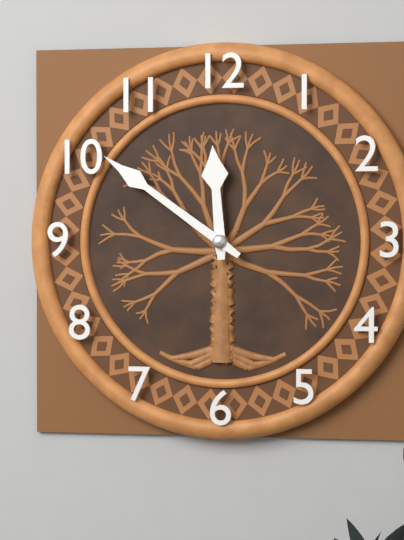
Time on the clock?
11:51
